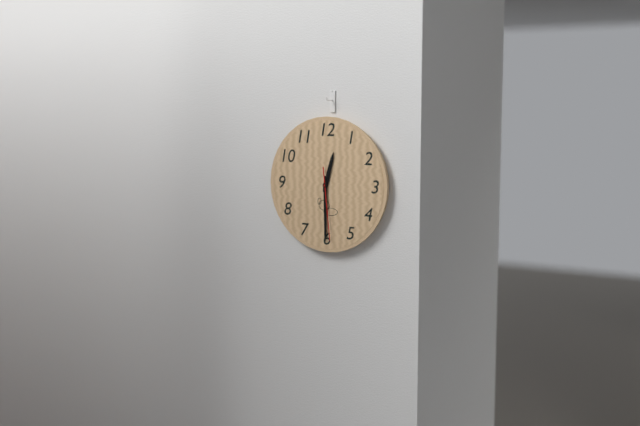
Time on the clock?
12:30:29
